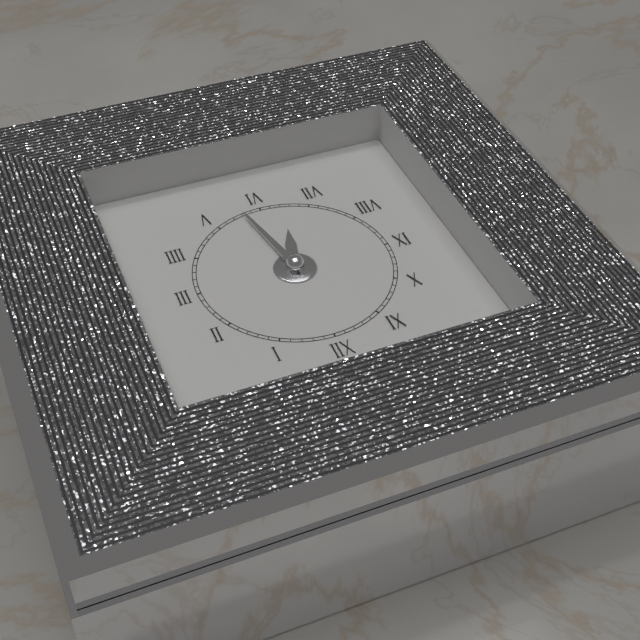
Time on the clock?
6:28
